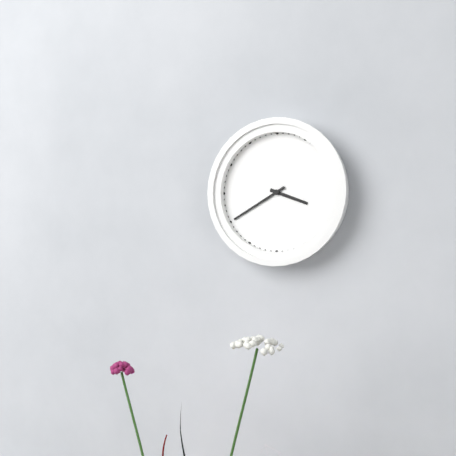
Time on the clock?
3:40
